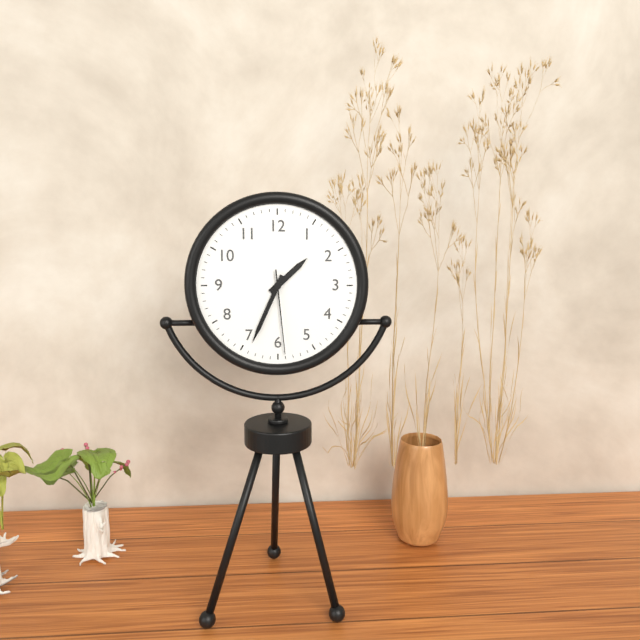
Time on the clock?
1:34:29
